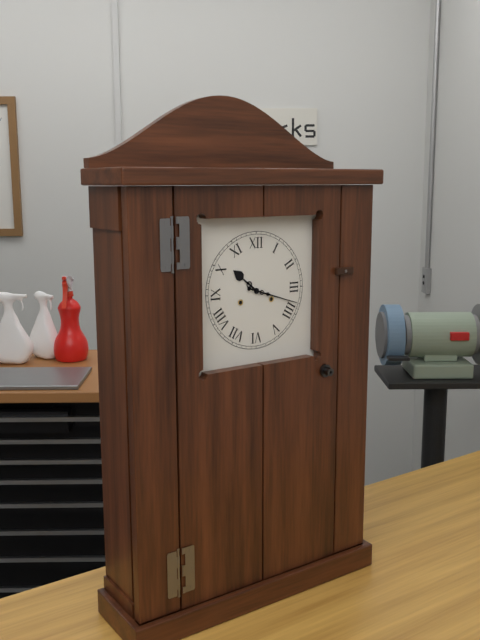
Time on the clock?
10:18
